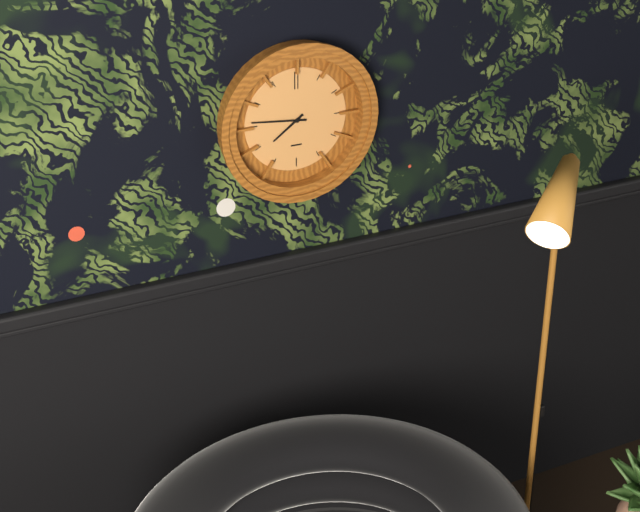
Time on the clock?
7:46
